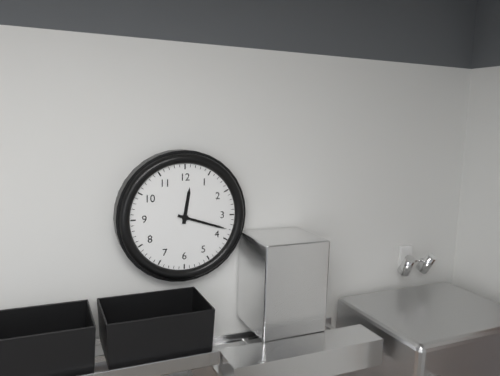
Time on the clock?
12:18
